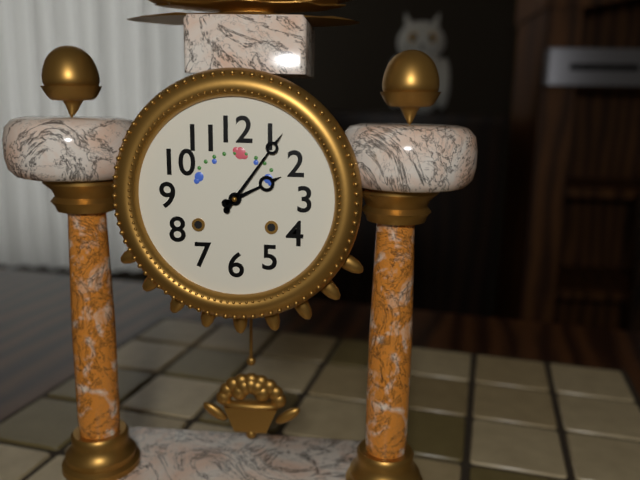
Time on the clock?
2:06
